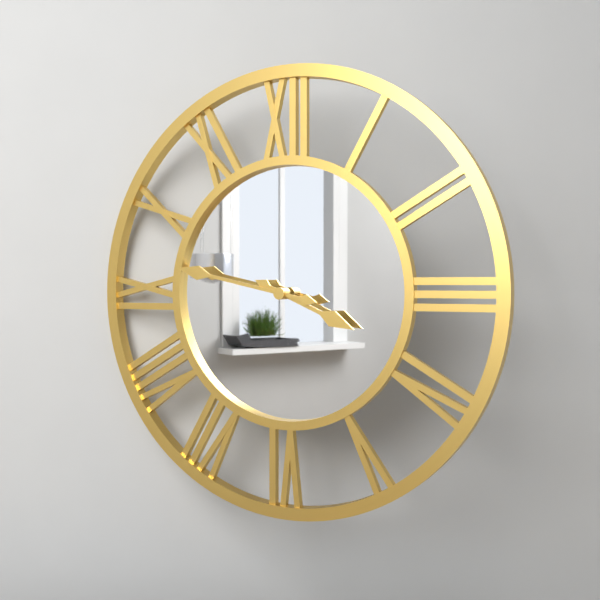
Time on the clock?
3:47
